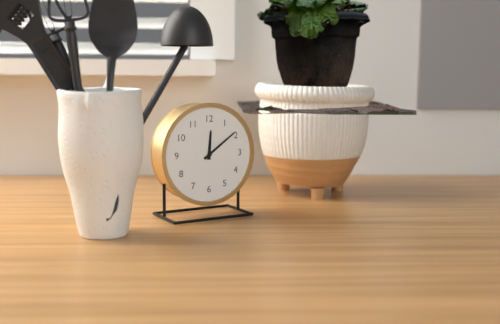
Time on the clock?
12:09
